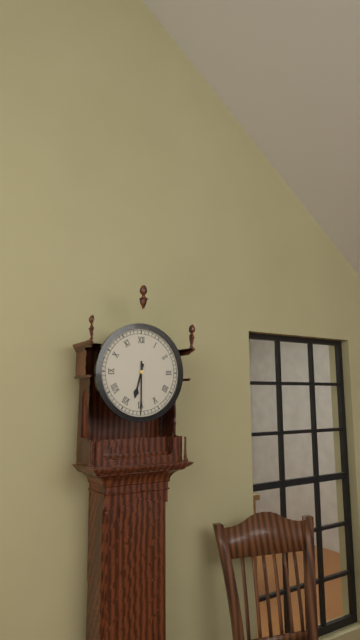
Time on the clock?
6:30
